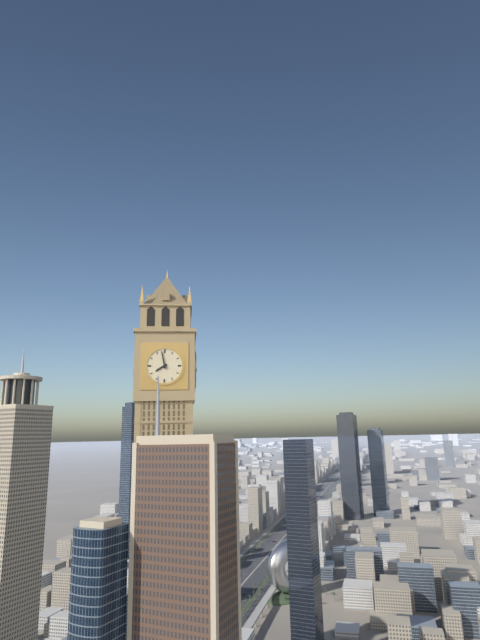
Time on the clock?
7:58
